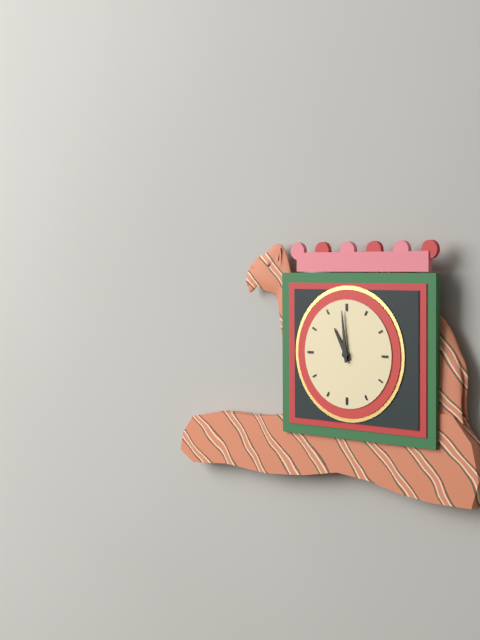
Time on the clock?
10:59
